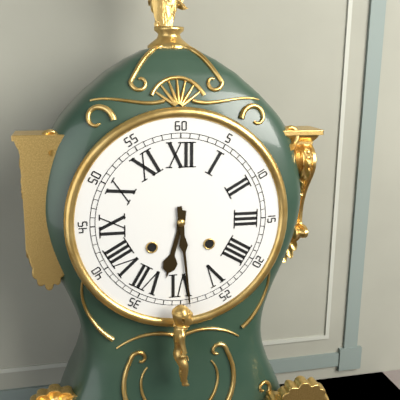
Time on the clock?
6:29
